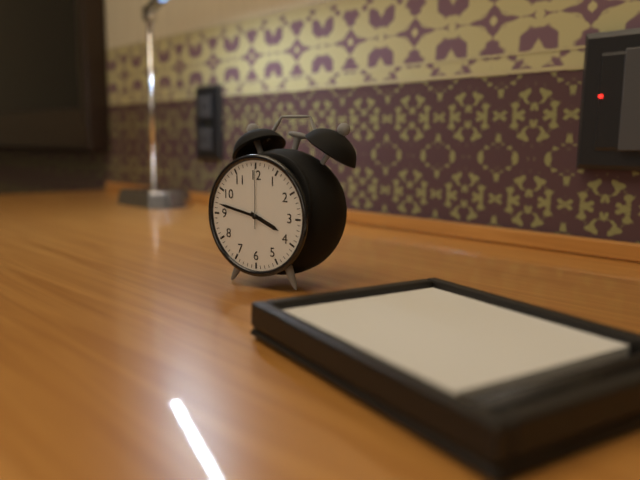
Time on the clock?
3:47:00
